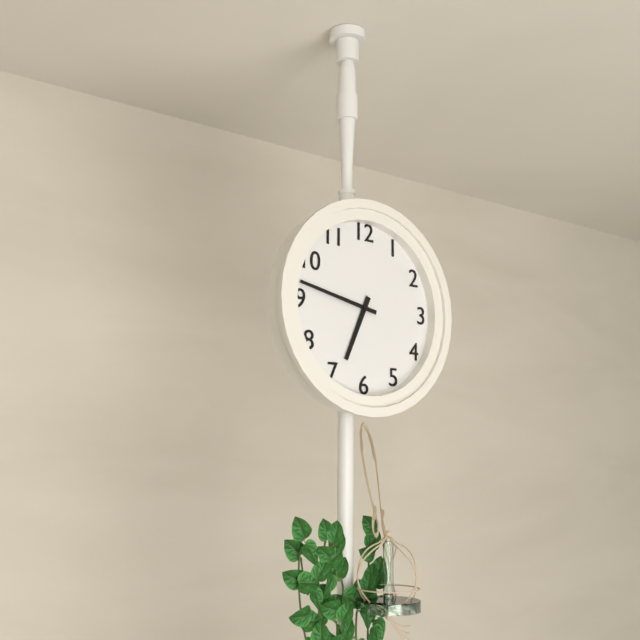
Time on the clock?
6:47
